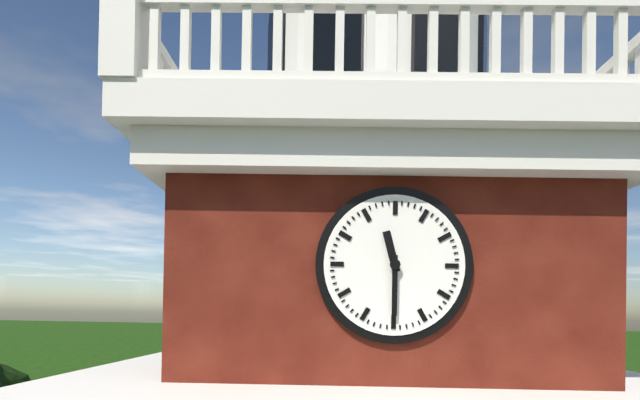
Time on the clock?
11:30
